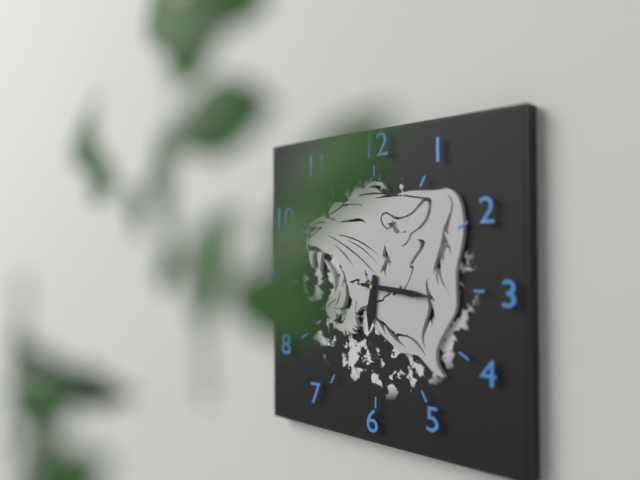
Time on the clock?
6:16
